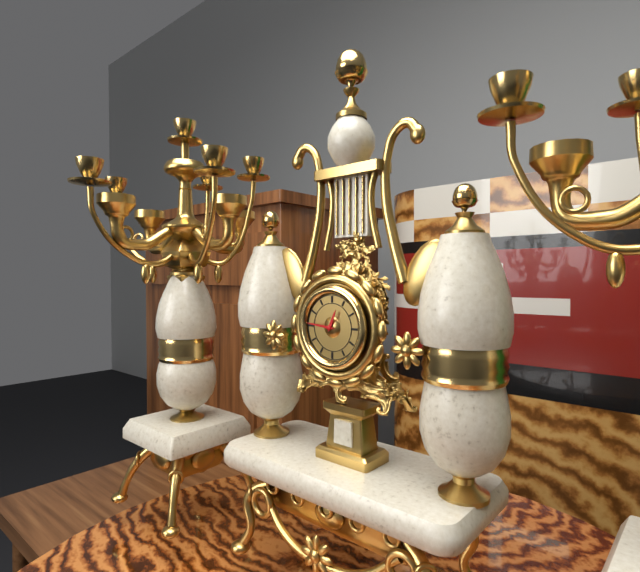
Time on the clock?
12:46
